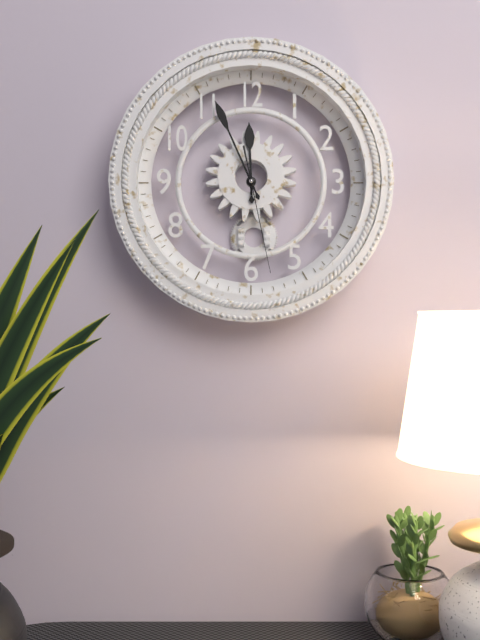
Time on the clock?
11:56:28
